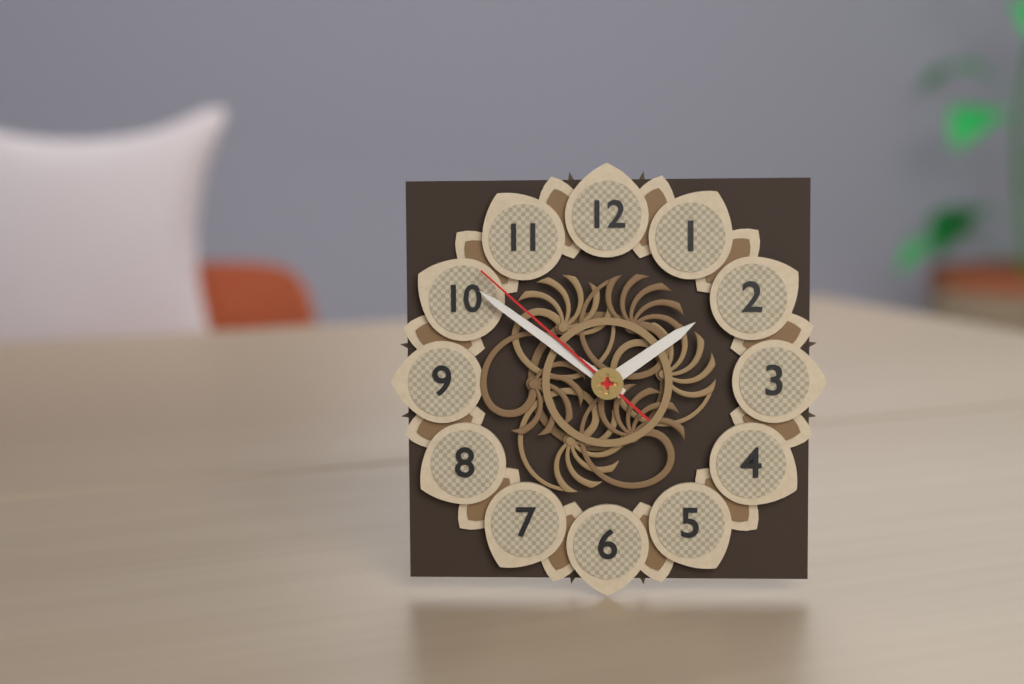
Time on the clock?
1:51:52
